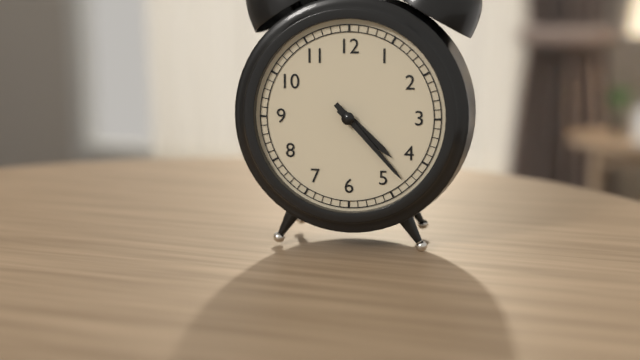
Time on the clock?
4:23
